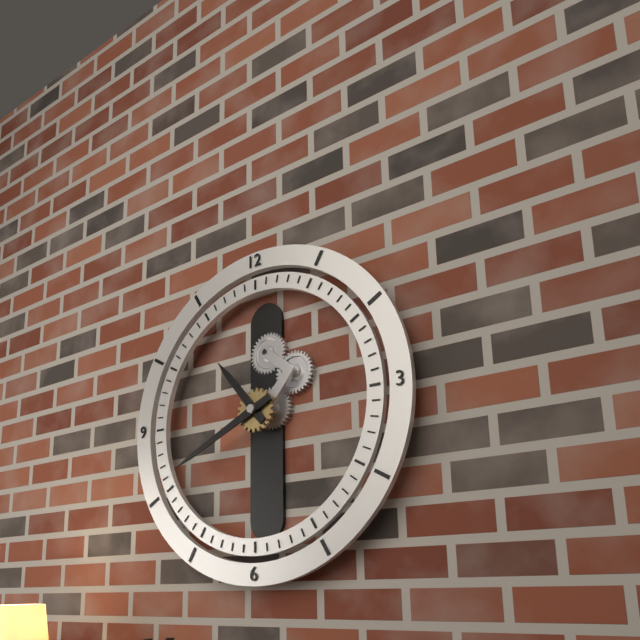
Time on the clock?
10:41
